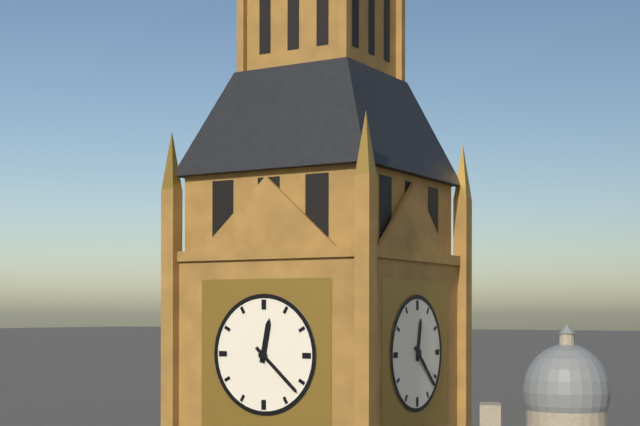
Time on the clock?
12:22
